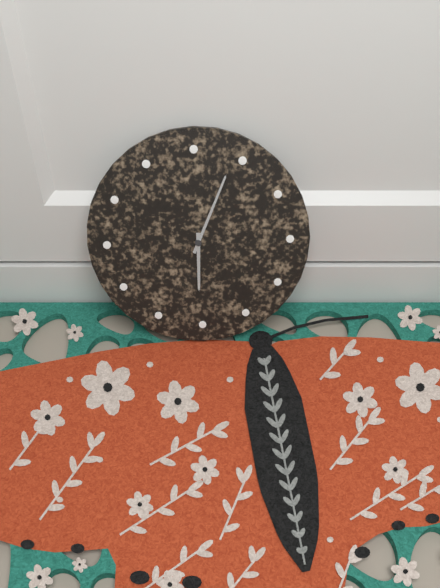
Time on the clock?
6:04
